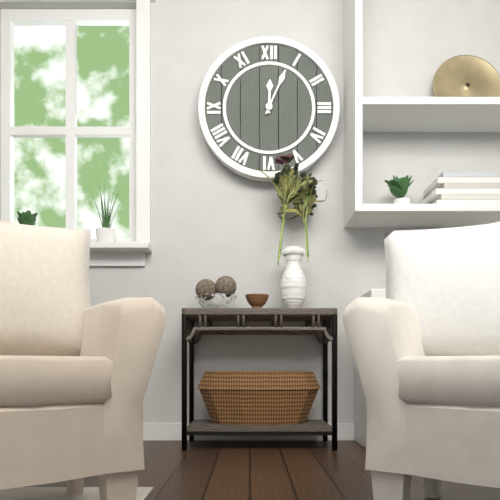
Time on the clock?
12:04
